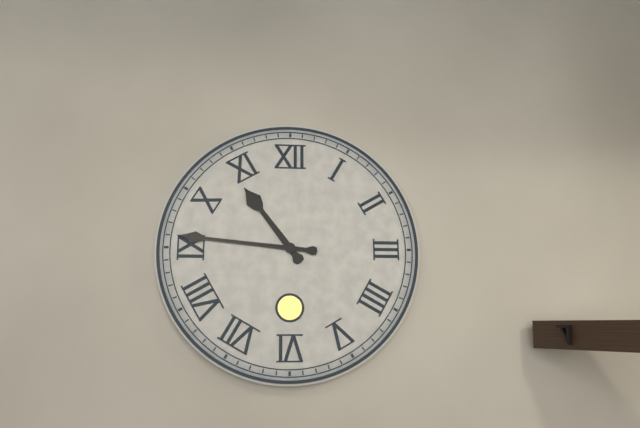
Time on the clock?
10:46
